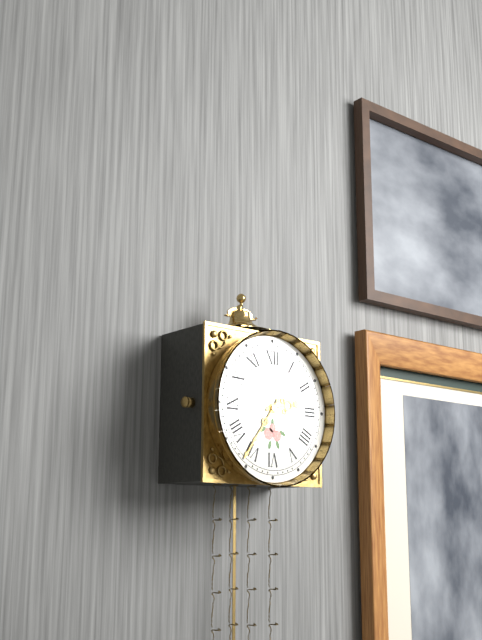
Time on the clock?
2:36
